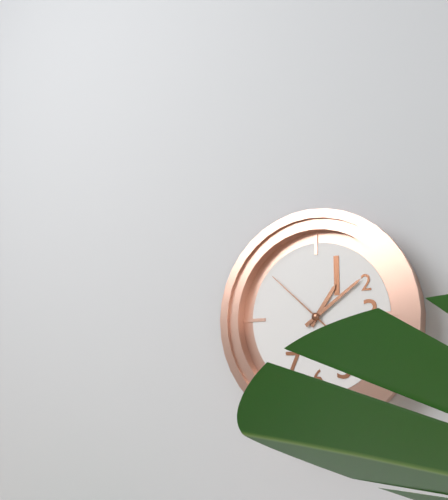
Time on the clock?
1:09:52
